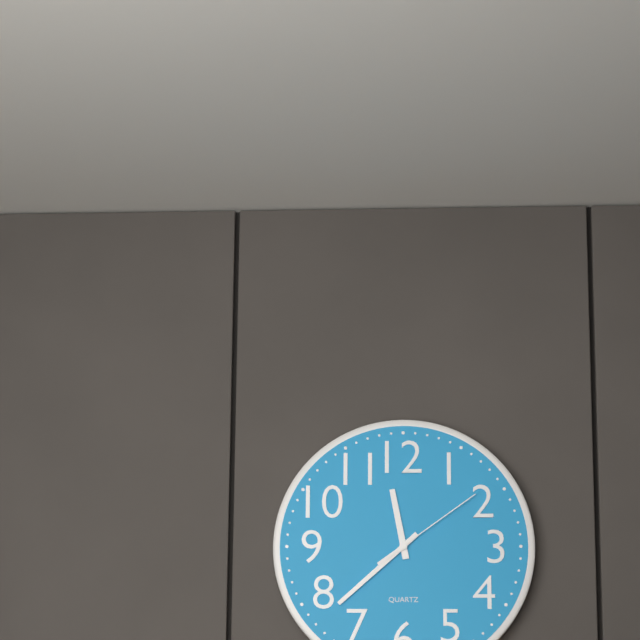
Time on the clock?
11:38:09
